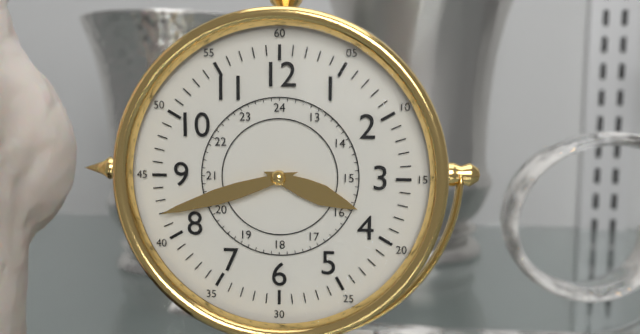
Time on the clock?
3:42
